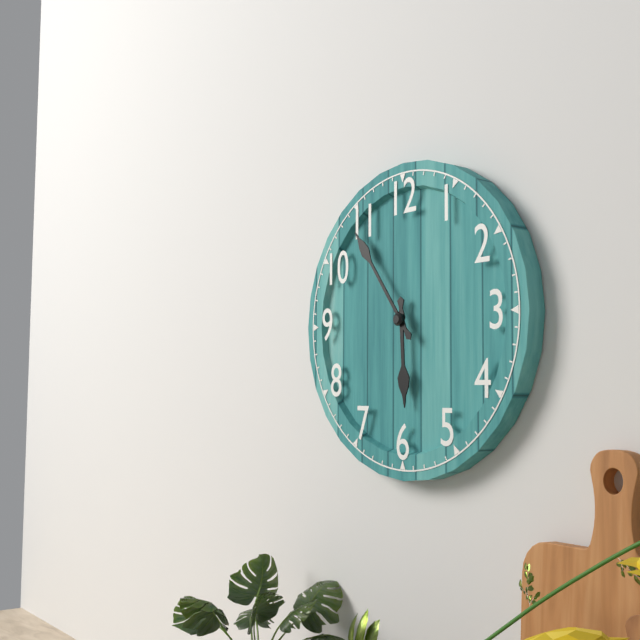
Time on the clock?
5:54
